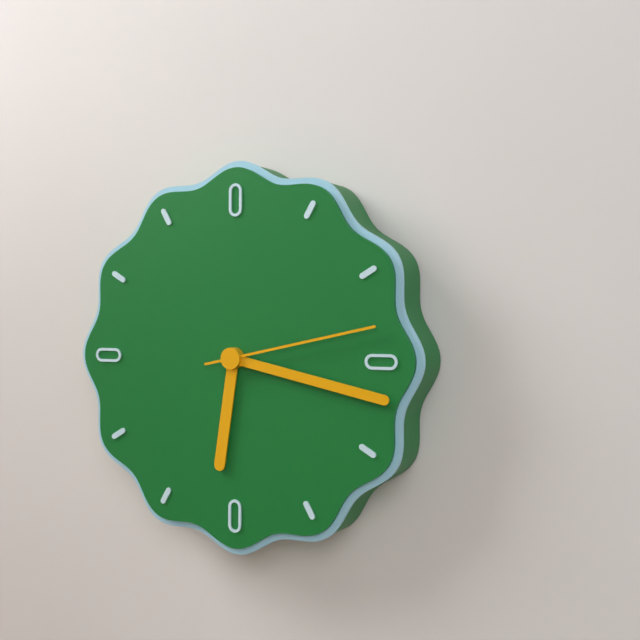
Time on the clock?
6:17:13
